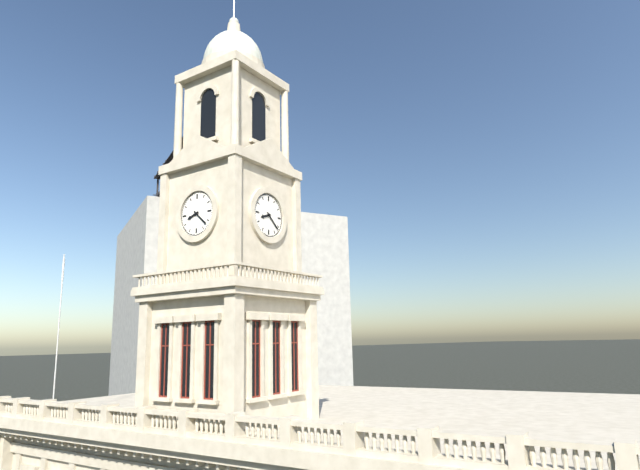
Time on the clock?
8:22
